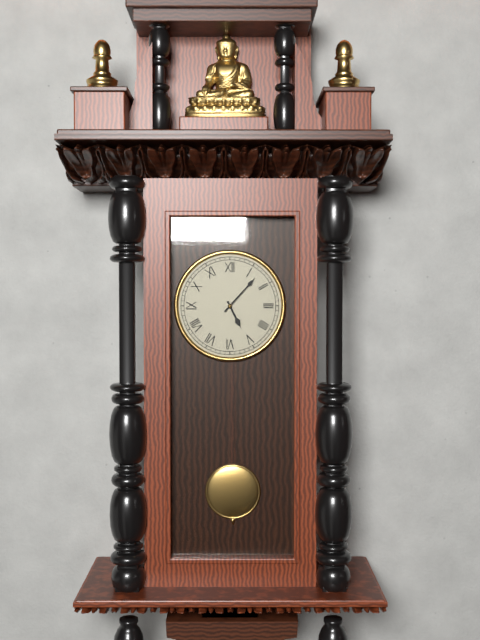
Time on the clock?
5:07
